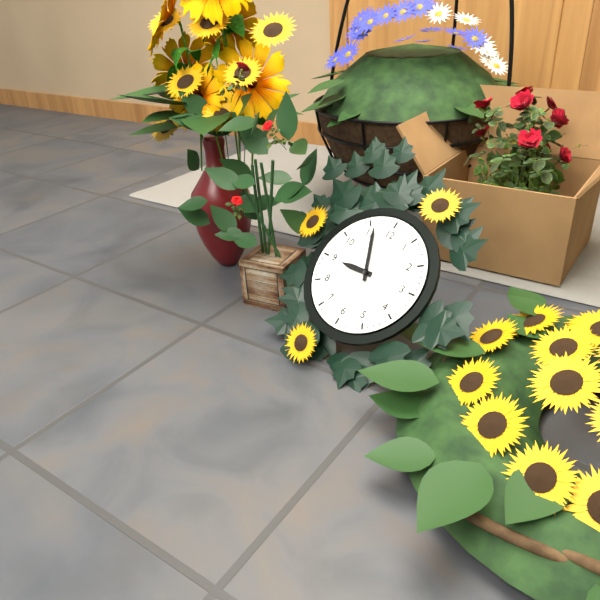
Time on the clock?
8:56
